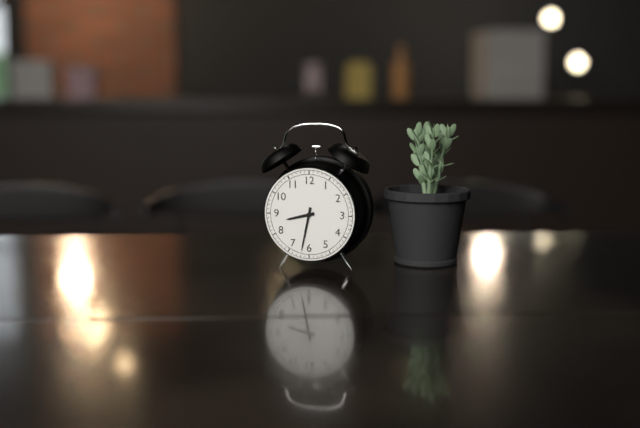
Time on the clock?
8:32
